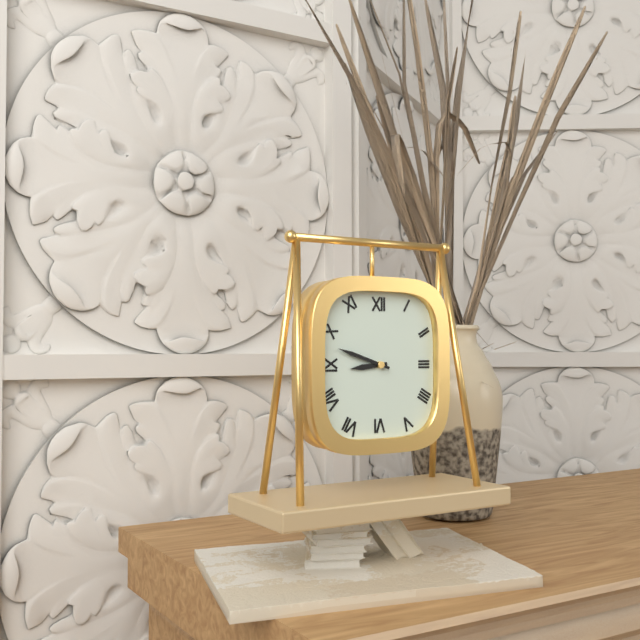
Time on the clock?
8:48
